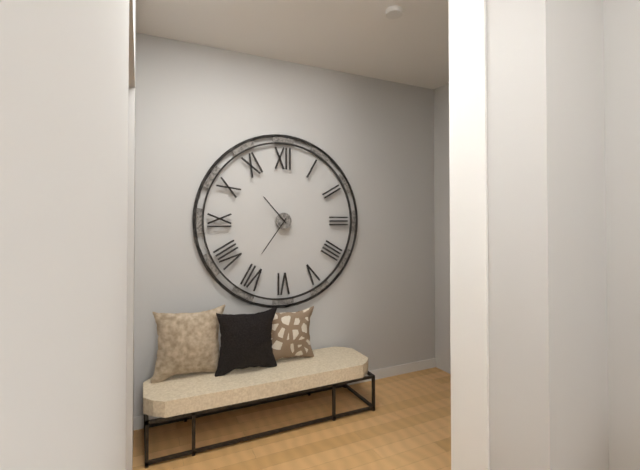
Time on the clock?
10:36
